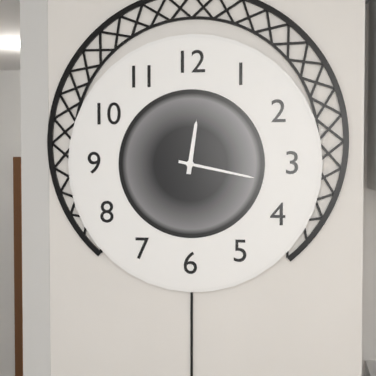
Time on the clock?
12:17
